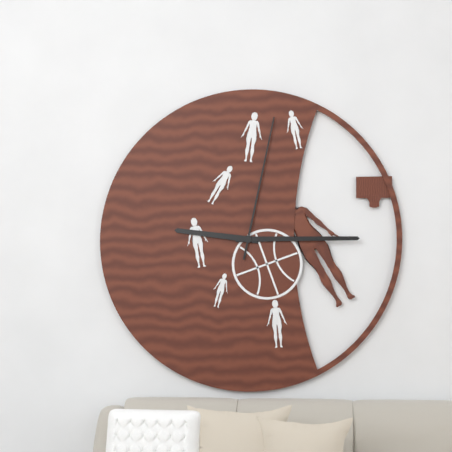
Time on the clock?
9:15:02
